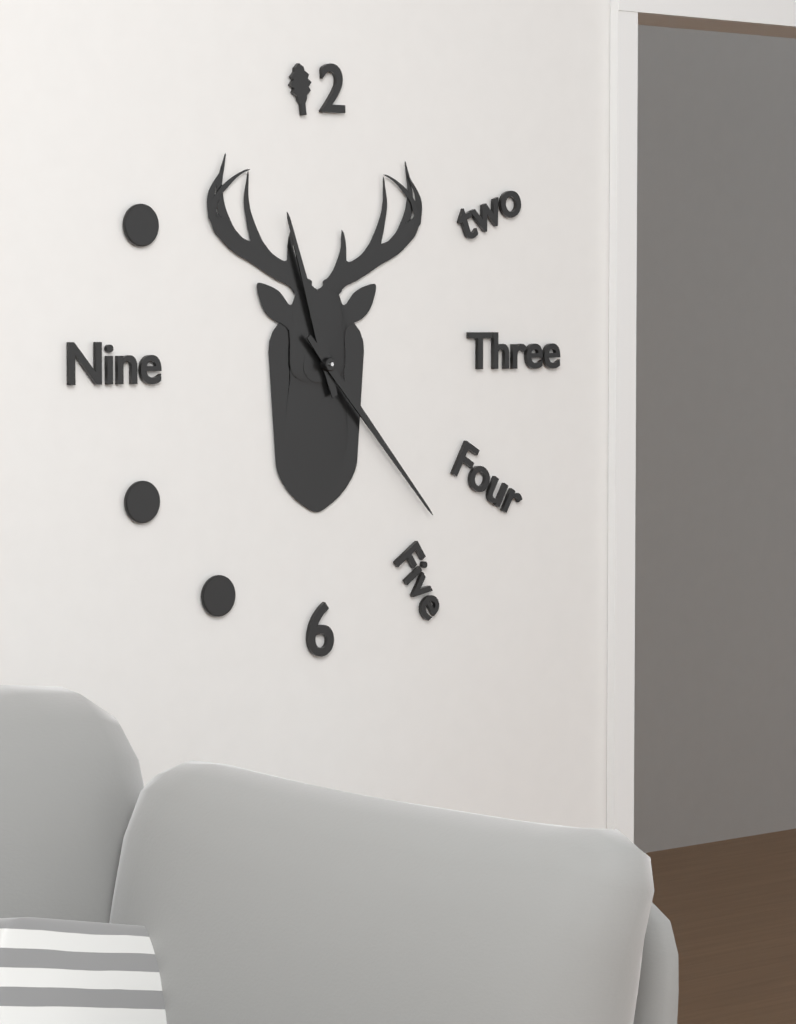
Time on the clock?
11:23
